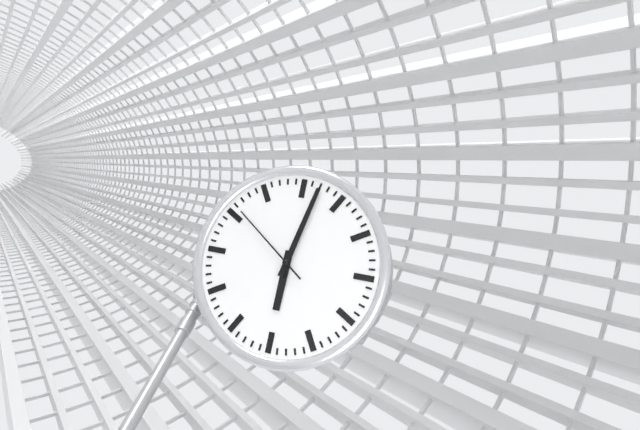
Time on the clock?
6:02:51
